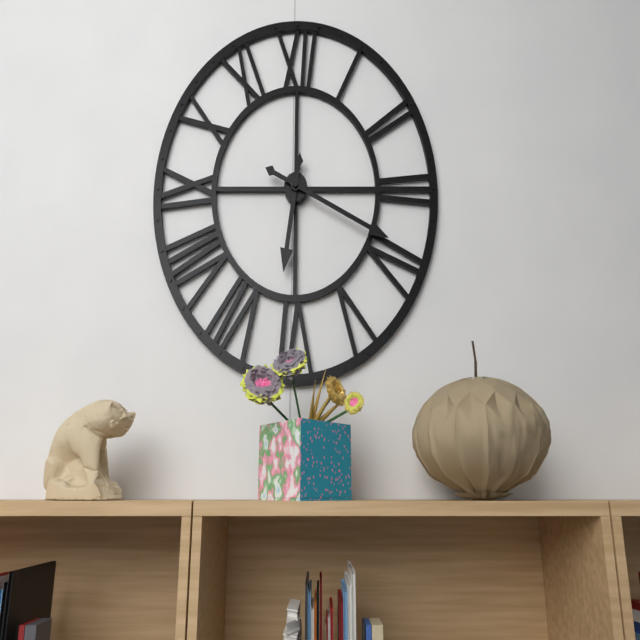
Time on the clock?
6:19
